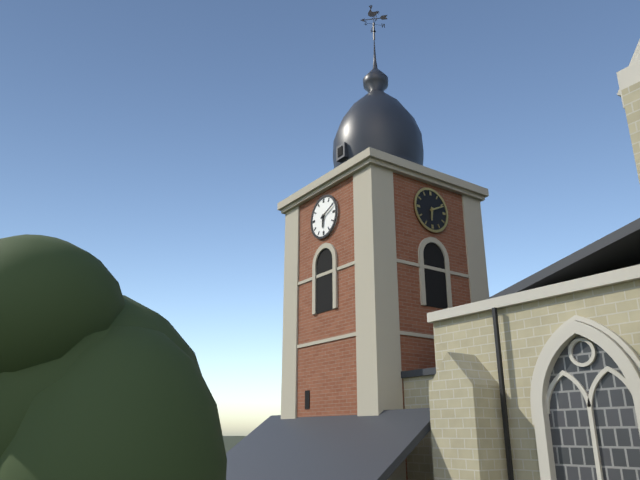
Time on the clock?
6:11
